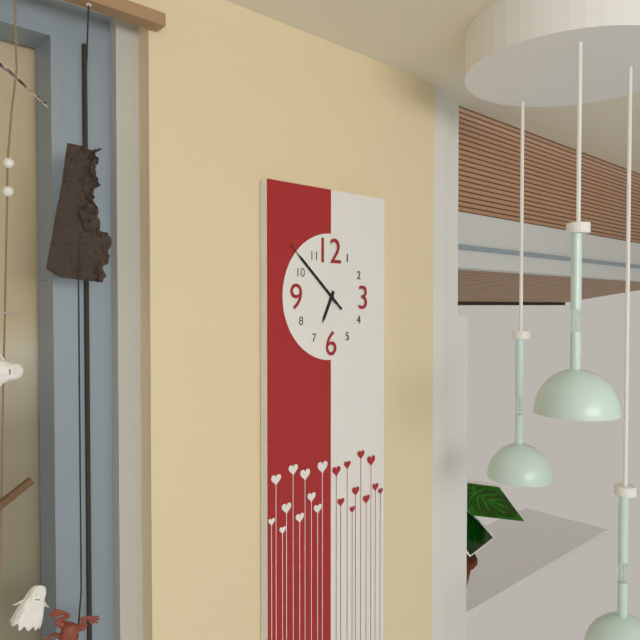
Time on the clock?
6:52:52
